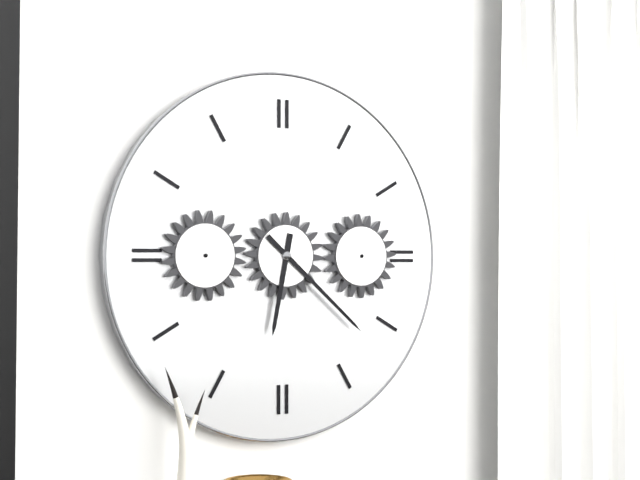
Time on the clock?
6:22
